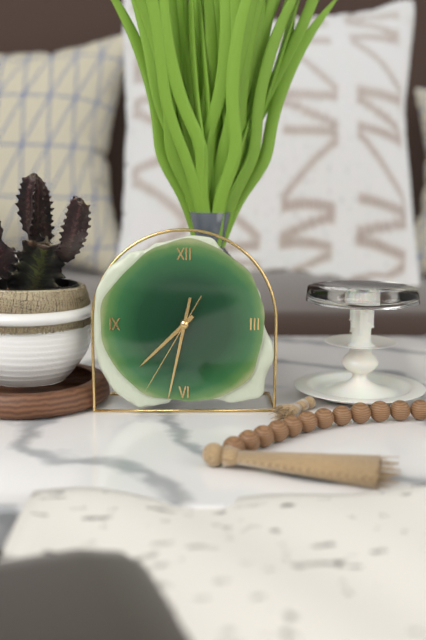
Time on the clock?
7:32:35
